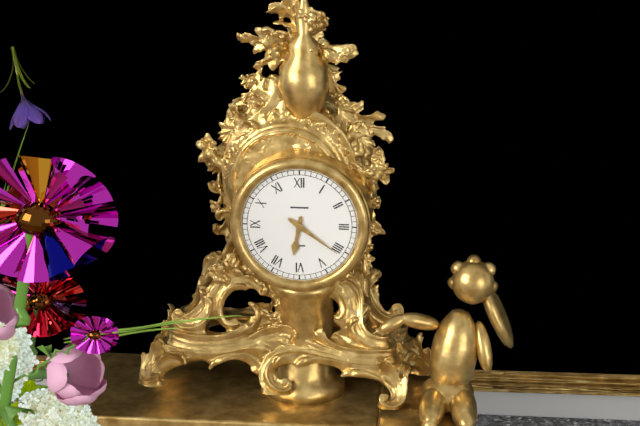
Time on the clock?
6:21
